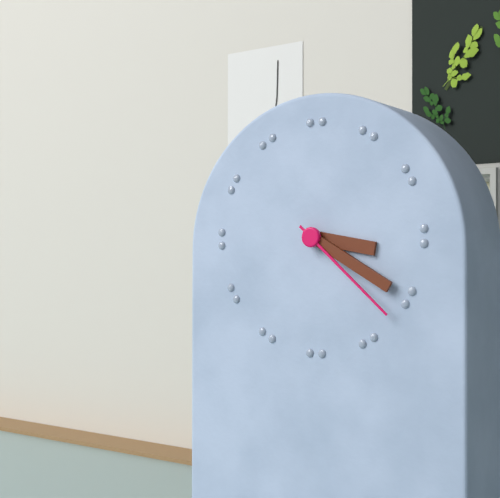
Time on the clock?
3:20:22
